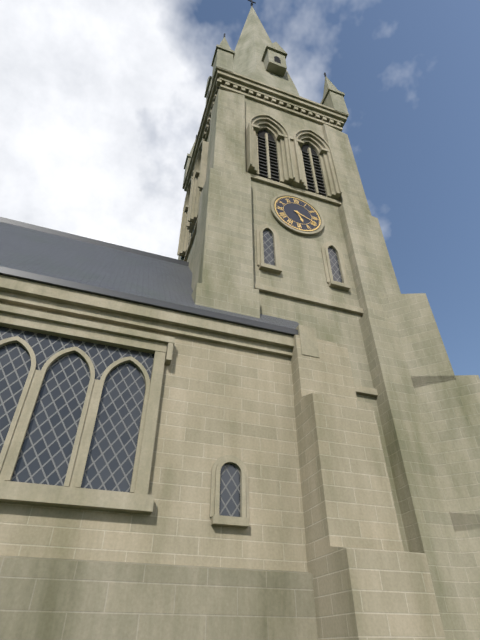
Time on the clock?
5:19
